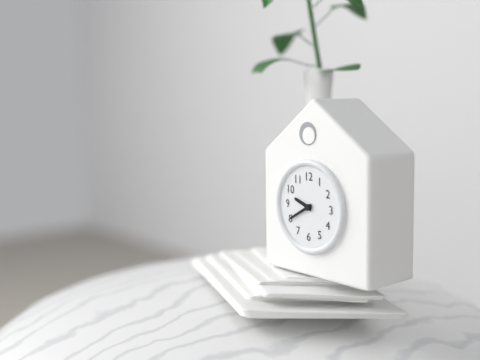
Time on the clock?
9:40
